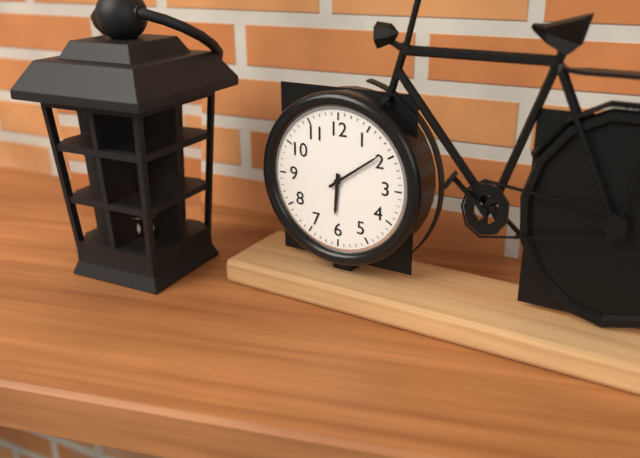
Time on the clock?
6:09
